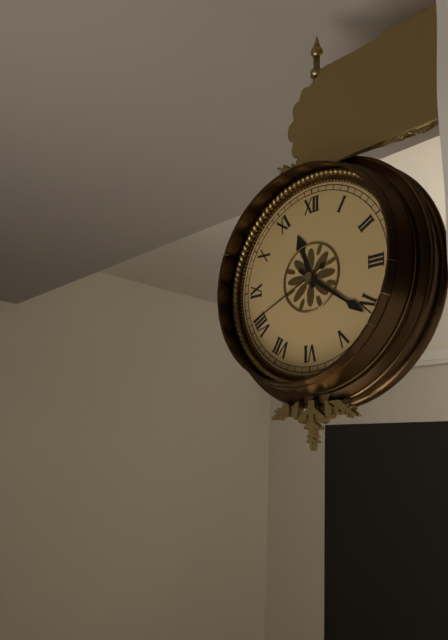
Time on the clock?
11:21:41
